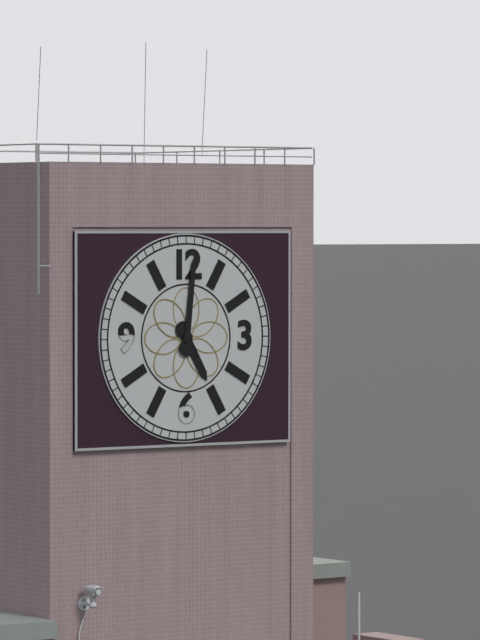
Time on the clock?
5:01
